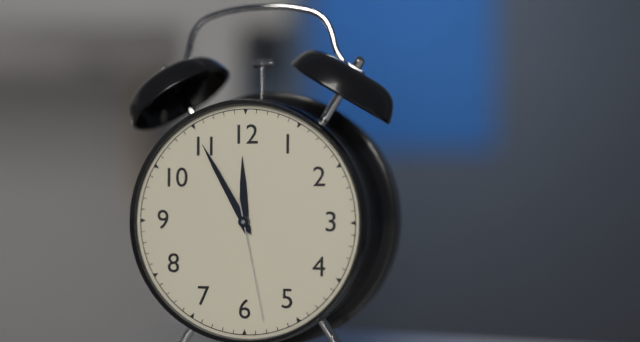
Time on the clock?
11:55:28
